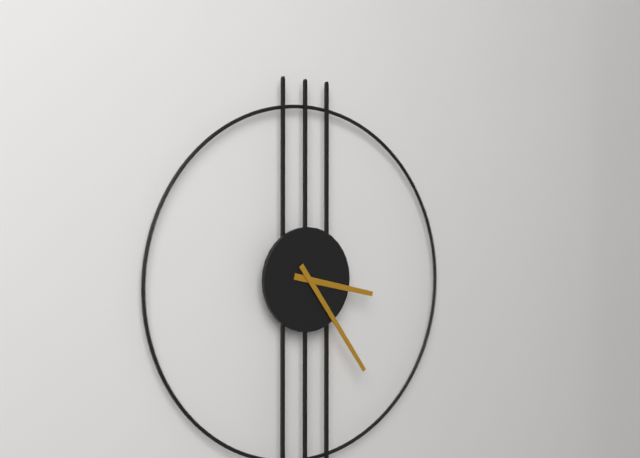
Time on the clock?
3:24
